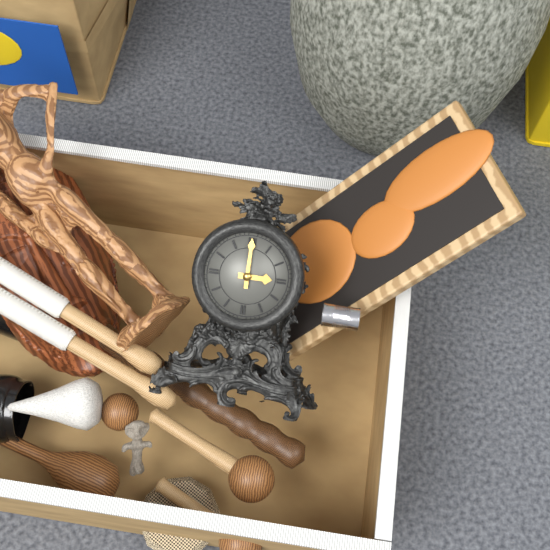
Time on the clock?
3:00
